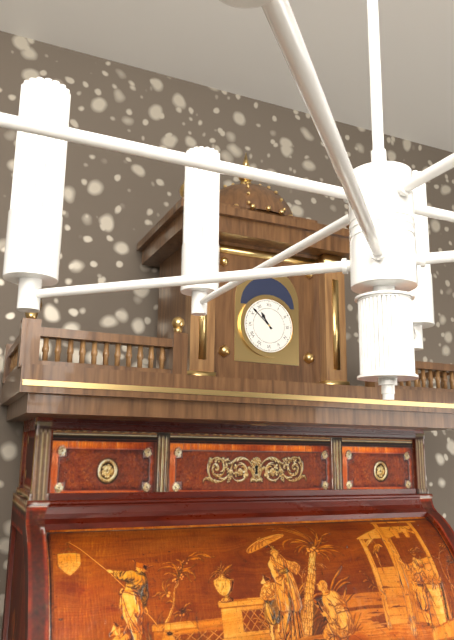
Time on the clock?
10:52
